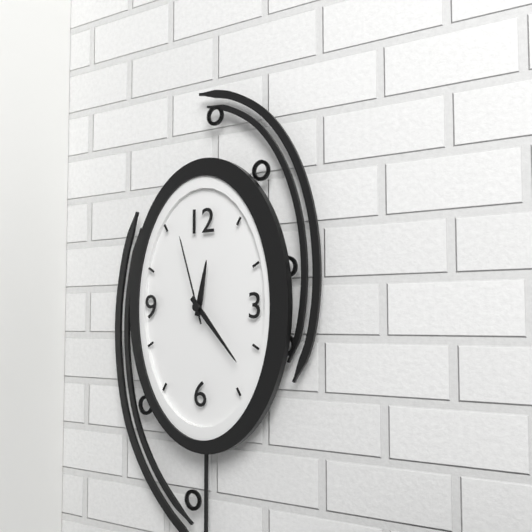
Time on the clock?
12:23:57
